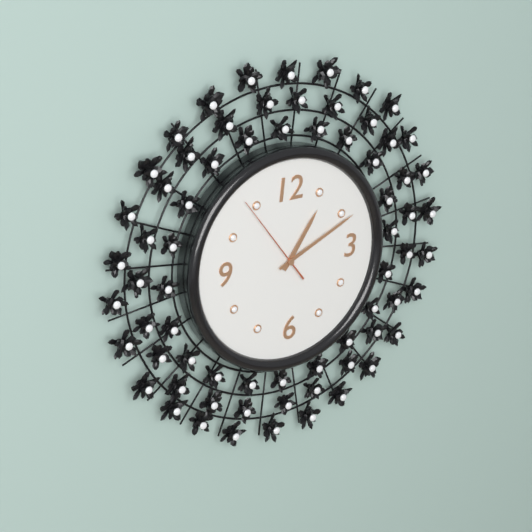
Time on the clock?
1:11:54
